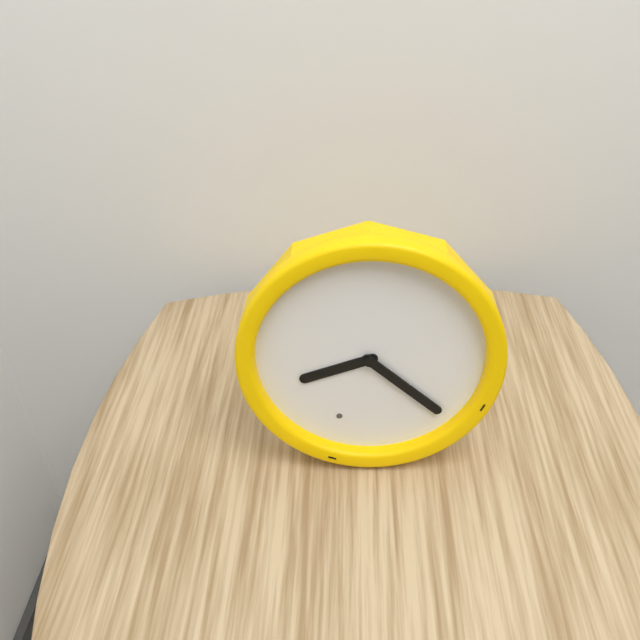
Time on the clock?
8:22
